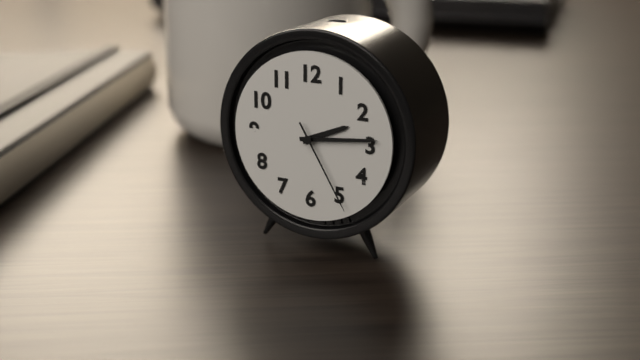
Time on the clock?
2:14:25
